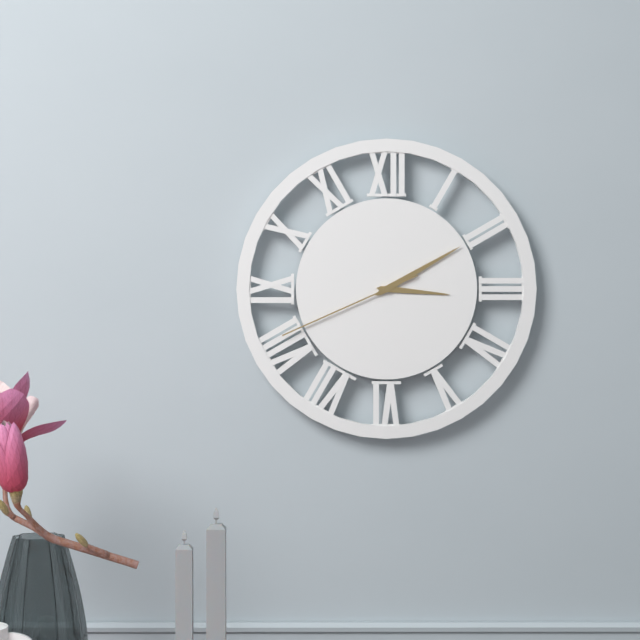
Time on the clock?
3:10:41
